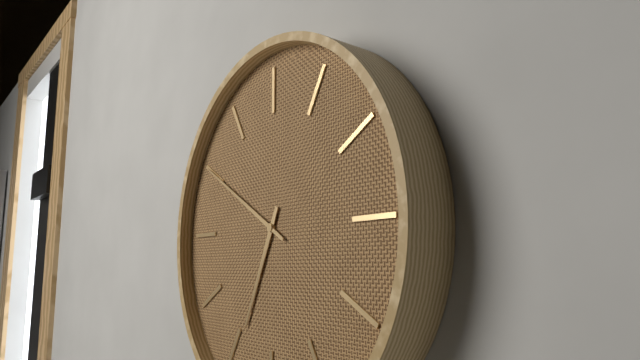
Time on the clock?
6:50
